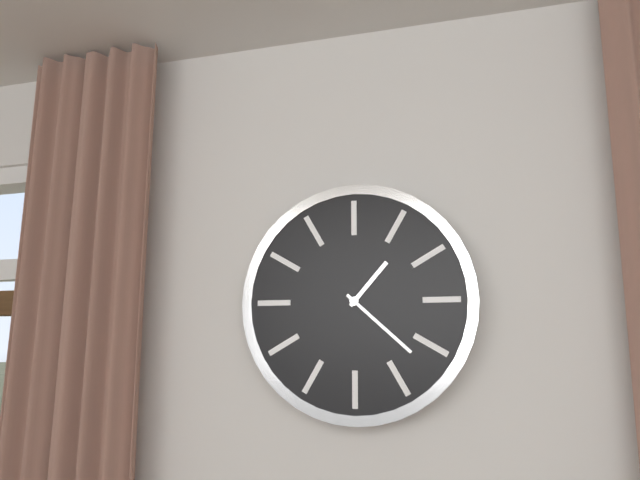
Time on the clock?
1:22
